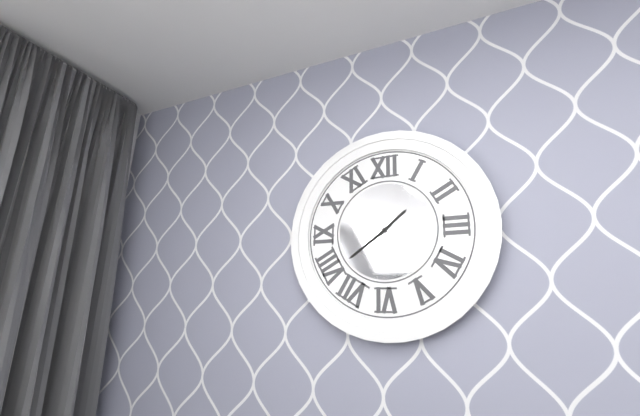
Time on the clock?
1:39
